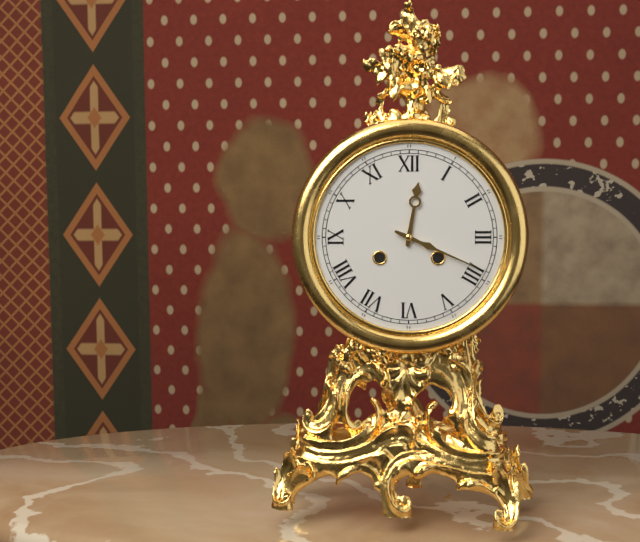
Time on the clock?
12:19
